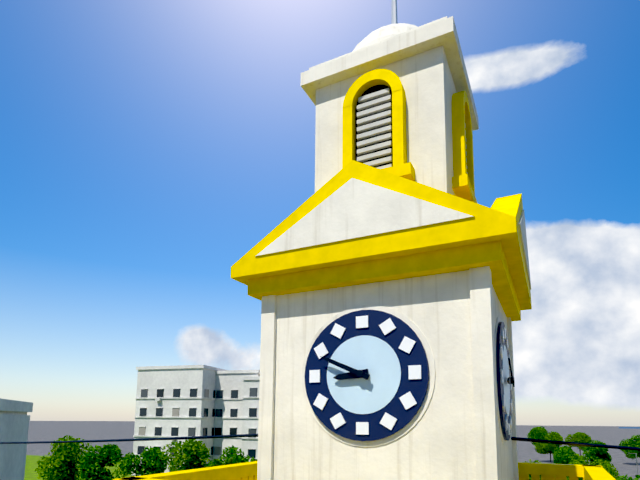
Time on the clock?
8:49
